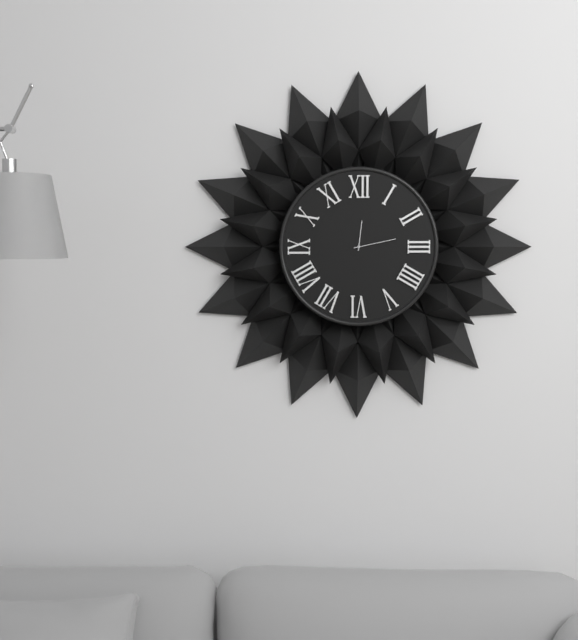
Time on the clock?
12:13
